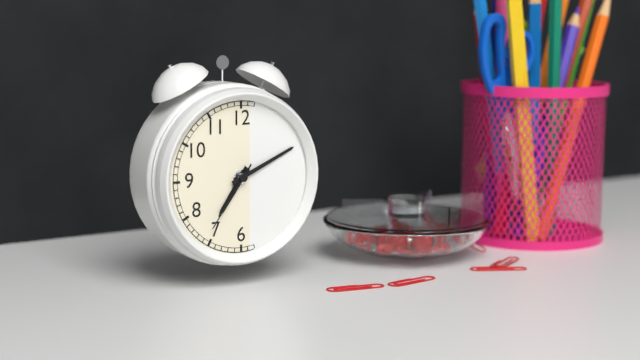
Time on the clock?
7:11:36
